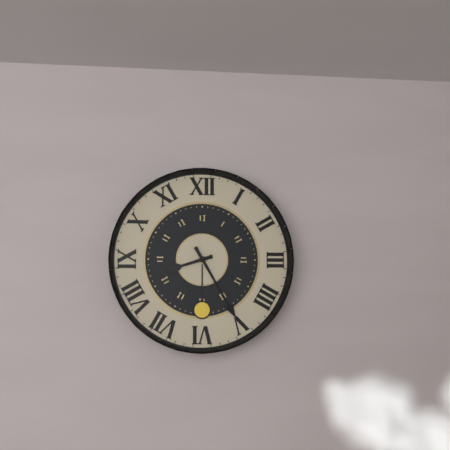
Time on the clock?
8:25
